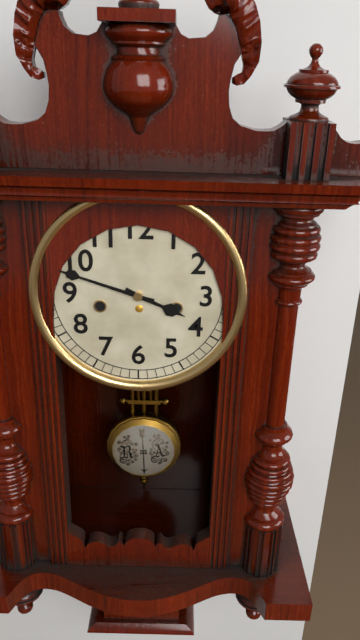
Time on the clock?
3:48
